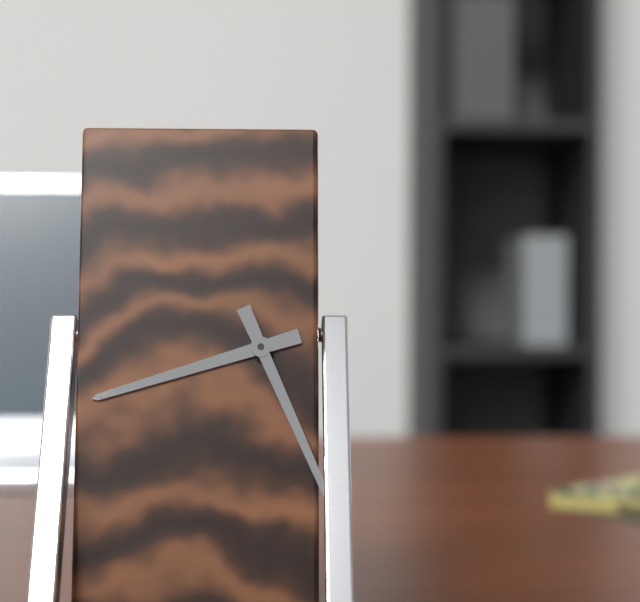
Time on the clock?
8:26
